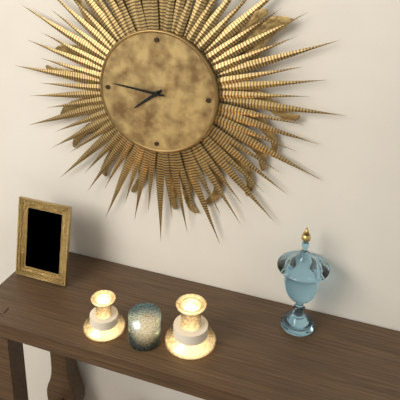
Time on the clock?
7:46
